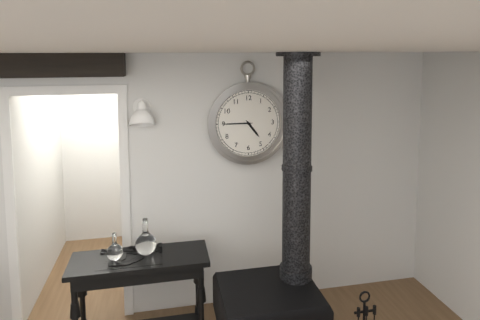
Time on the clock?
4:45
